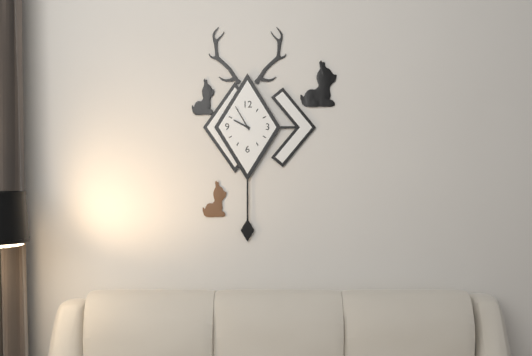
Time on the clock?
9:55
